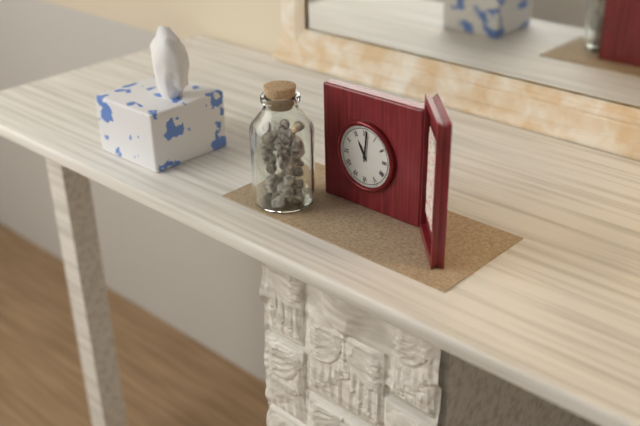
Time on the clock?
11:01
